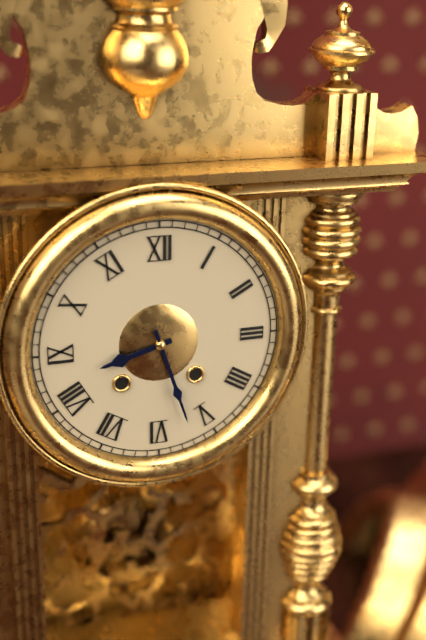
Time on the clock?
8:27
